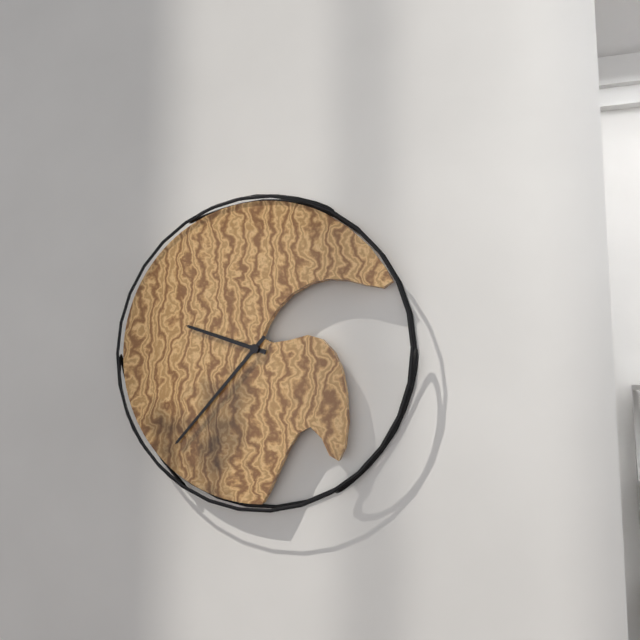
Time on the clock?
9:37
